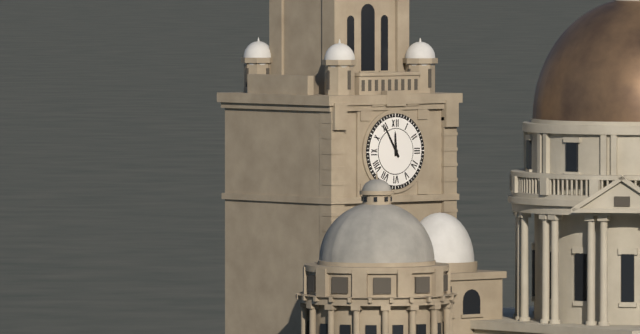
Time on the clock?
11:55
